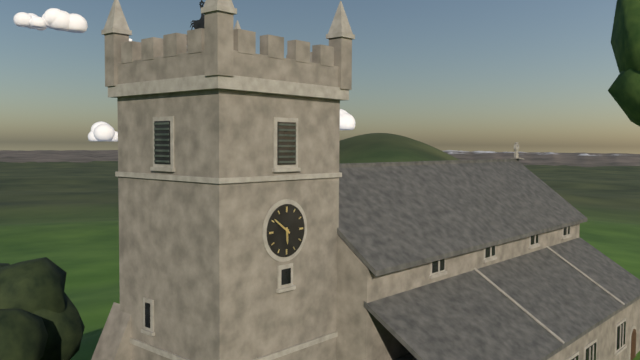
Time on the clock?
5:51
